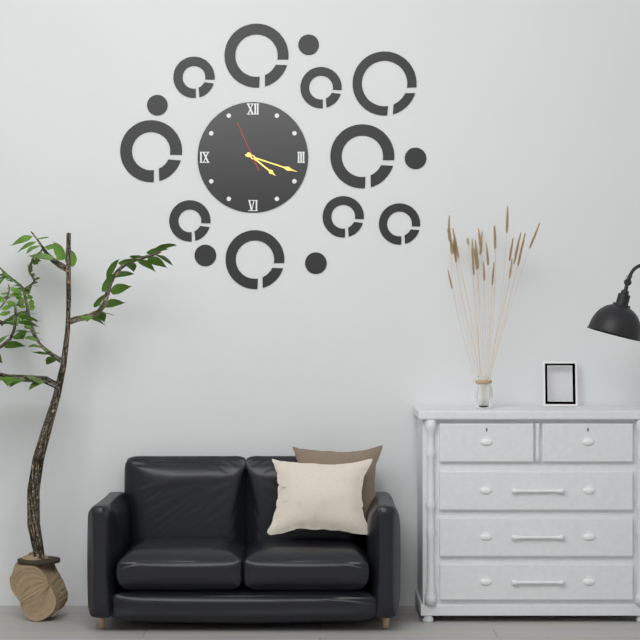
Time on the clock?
4:18
